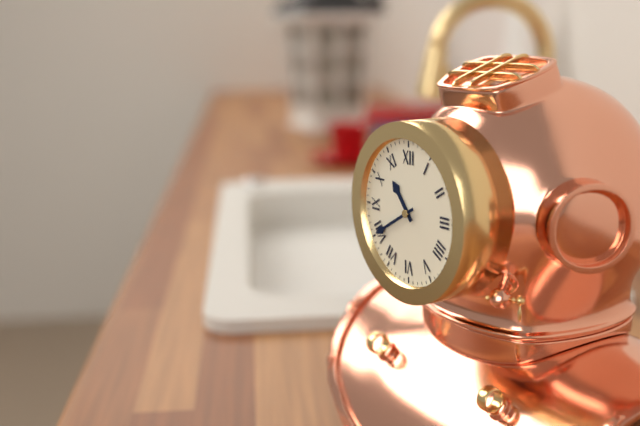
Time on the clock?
10:40
